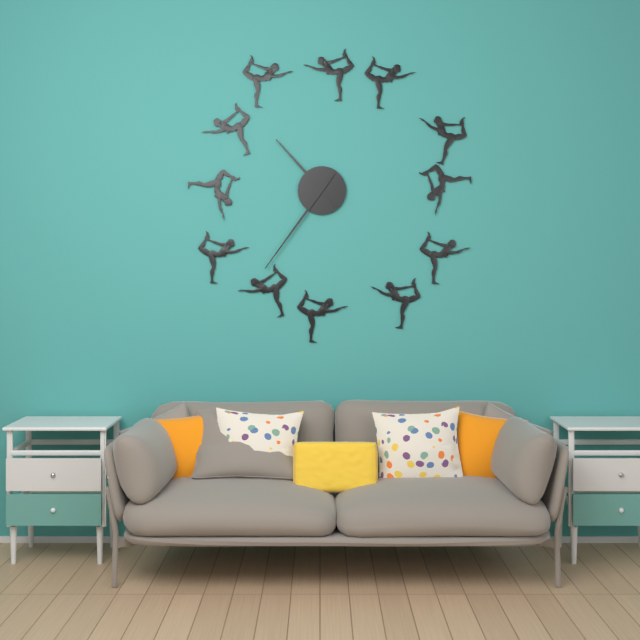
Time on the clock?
10:36
